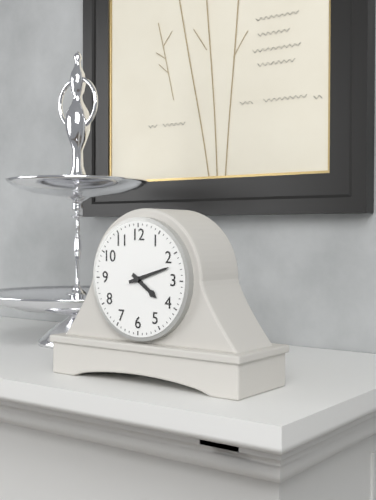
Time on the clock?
4:12
